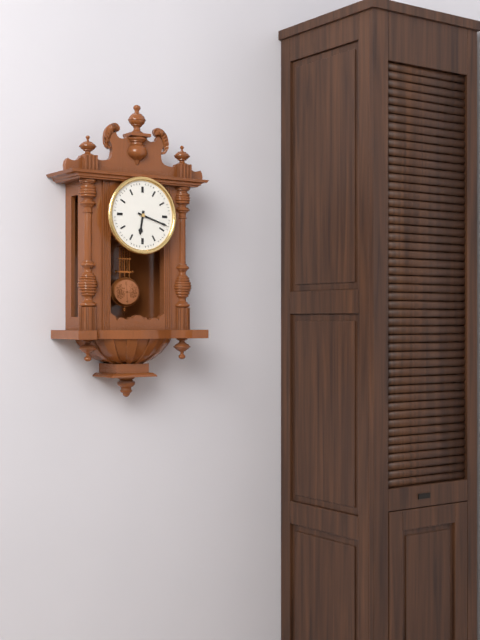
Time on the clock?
6:18
